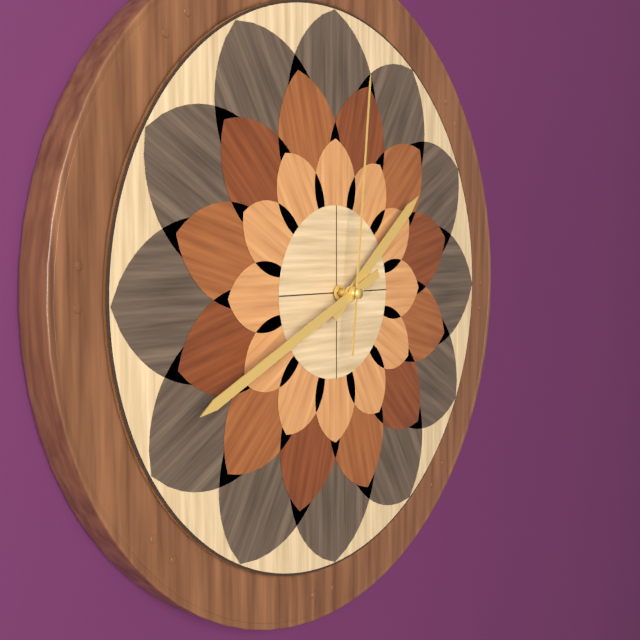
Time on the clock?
1:41:01
